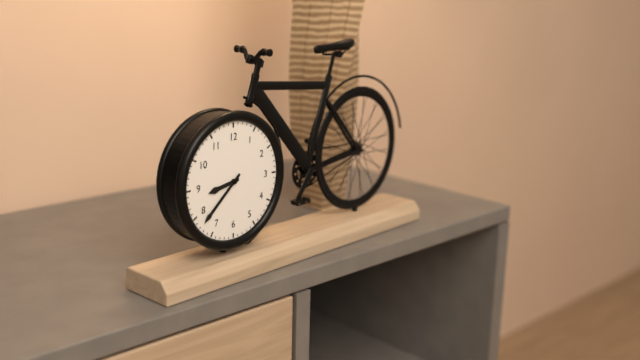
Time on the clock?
8:38
